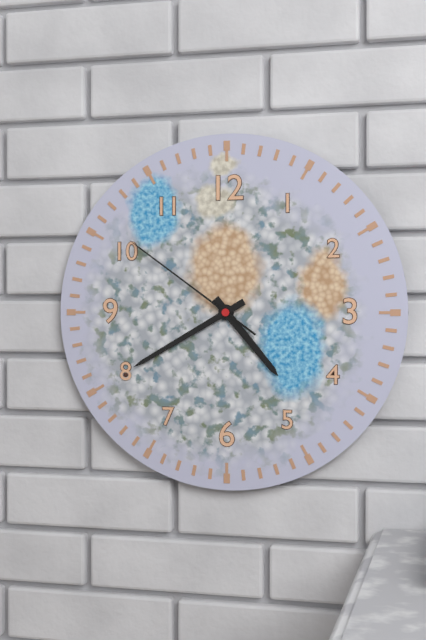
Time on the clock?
4:40:51
